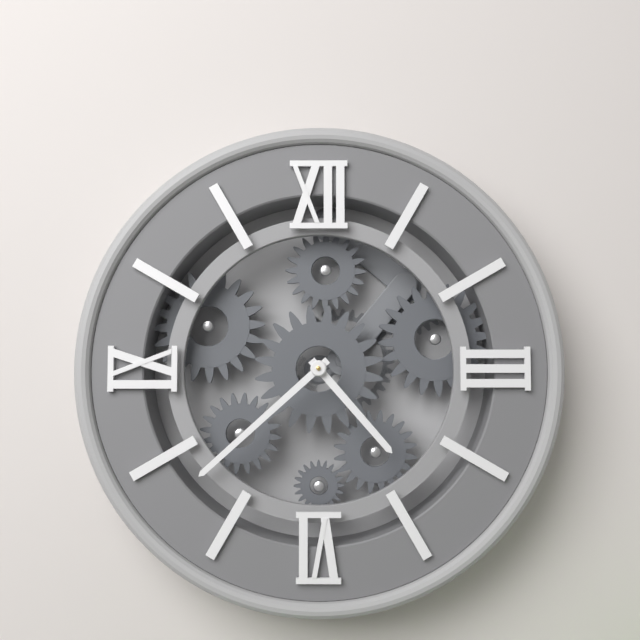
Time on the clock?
4:38
